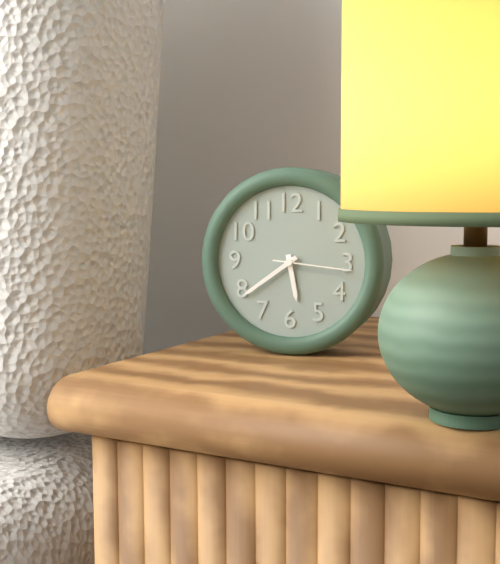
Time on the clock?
5:39:16
